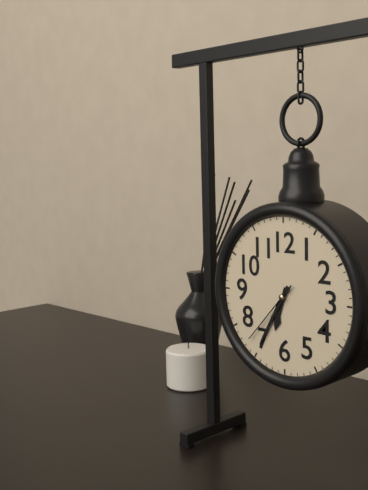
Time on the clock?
6:35:37
